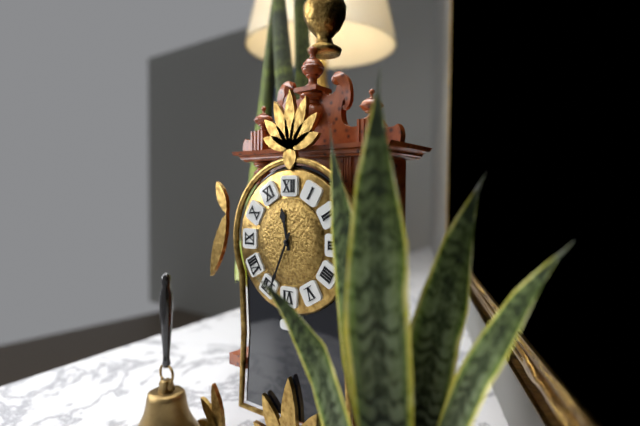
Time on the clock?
11:34
